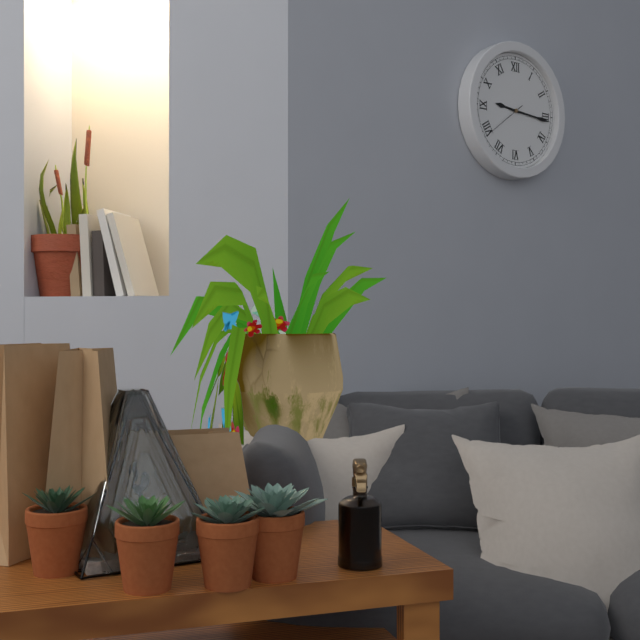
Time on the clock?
9:16
